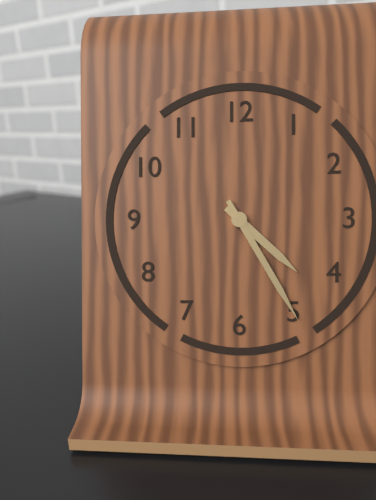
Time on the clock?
4:25
